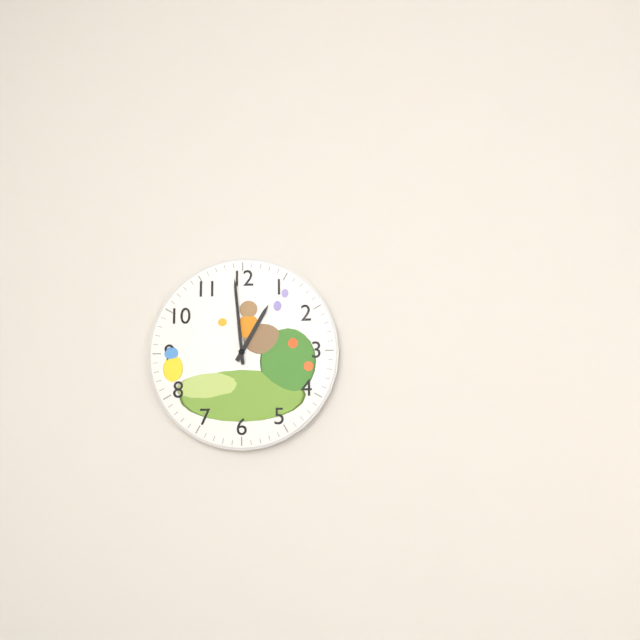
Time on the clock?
12:59
